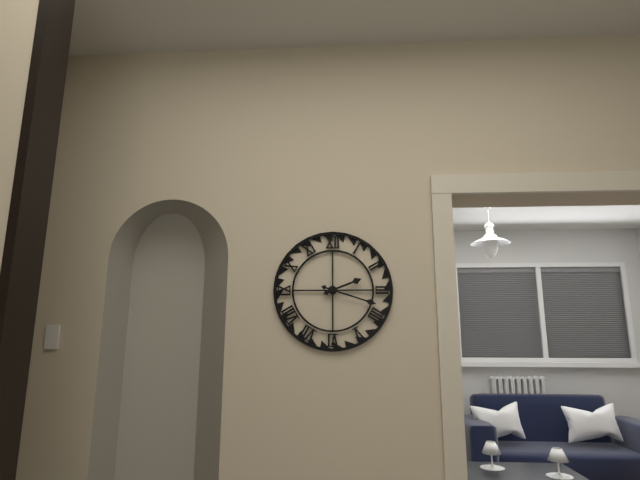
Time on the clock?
2:18
